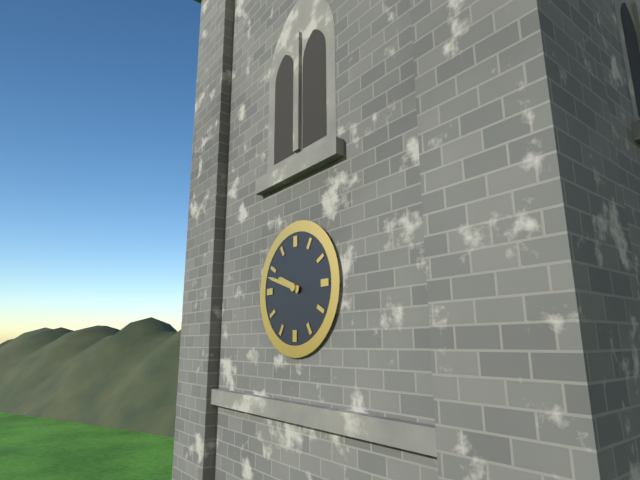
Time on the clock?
9:48
